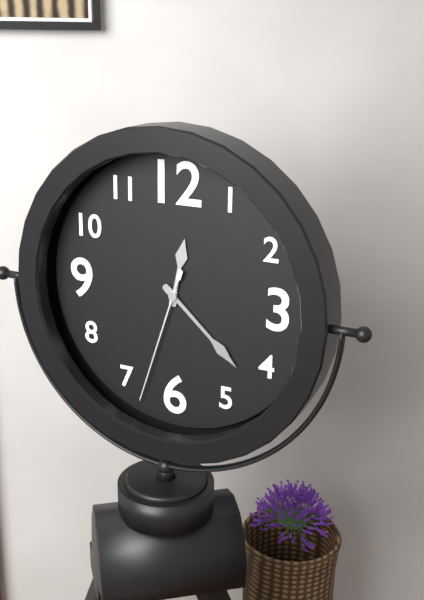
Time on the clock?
12:22:33
